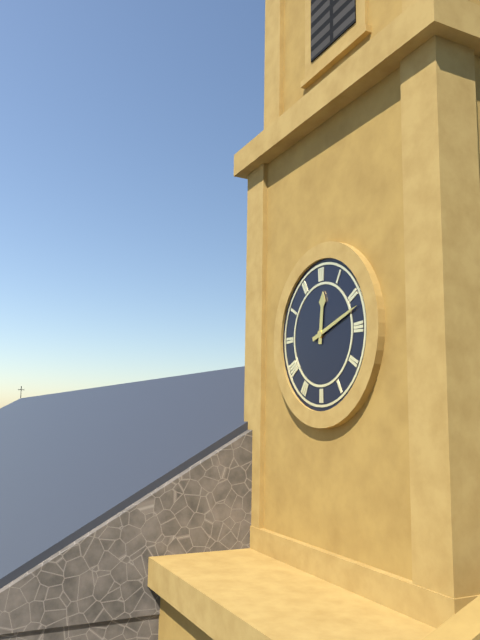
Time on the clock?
12:12
